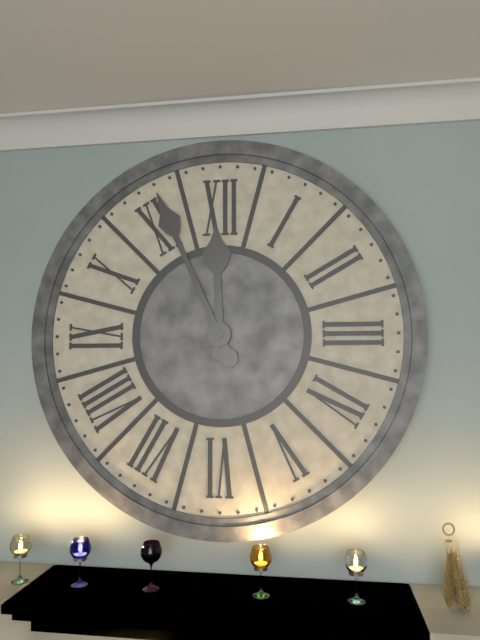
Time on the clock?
11:56
